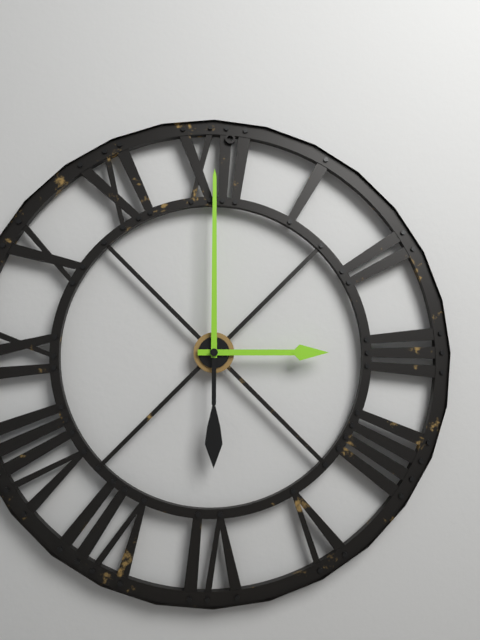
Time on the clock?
3:00
